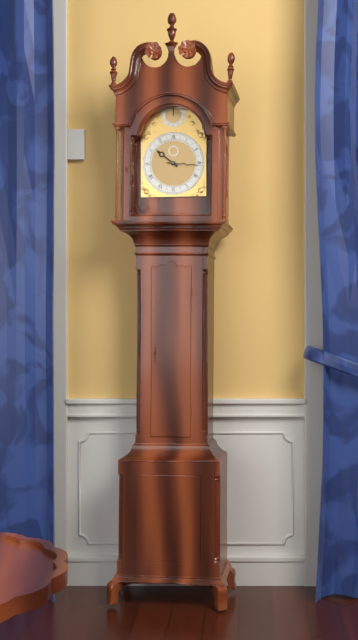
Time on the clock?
10:16
